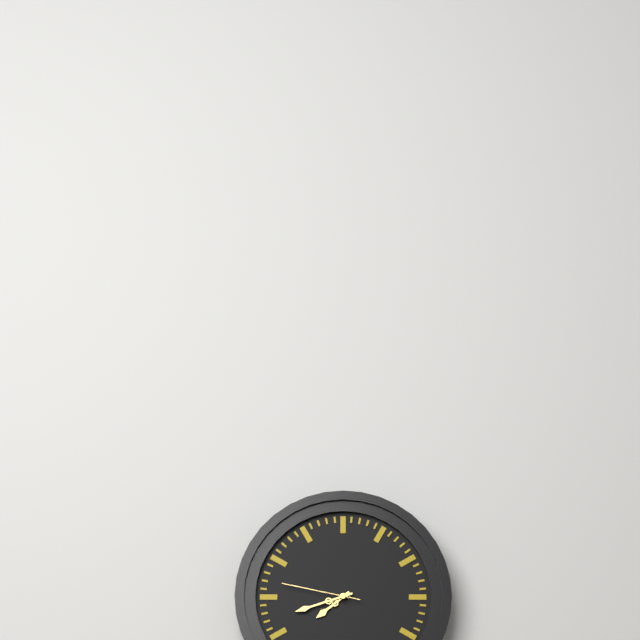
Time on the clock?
7:42:47
